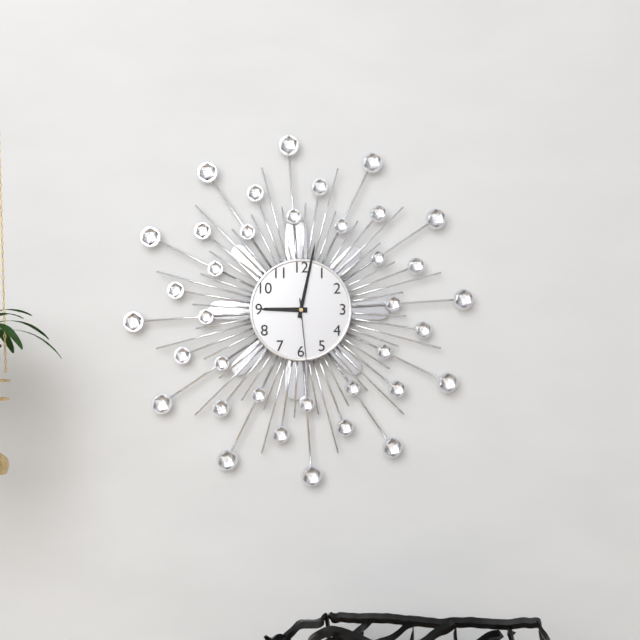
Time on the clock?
9:02:29
